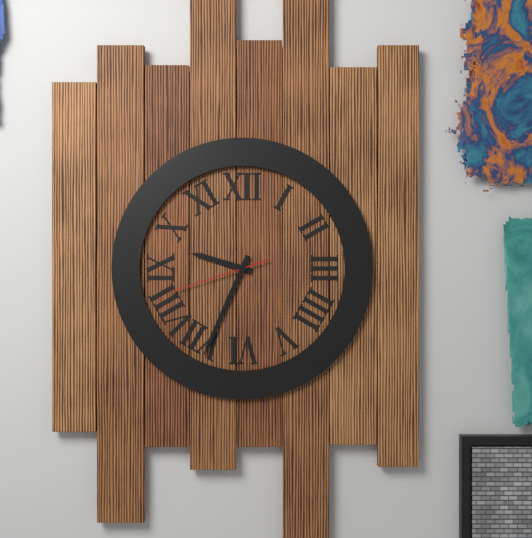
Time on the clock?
9:34:42
